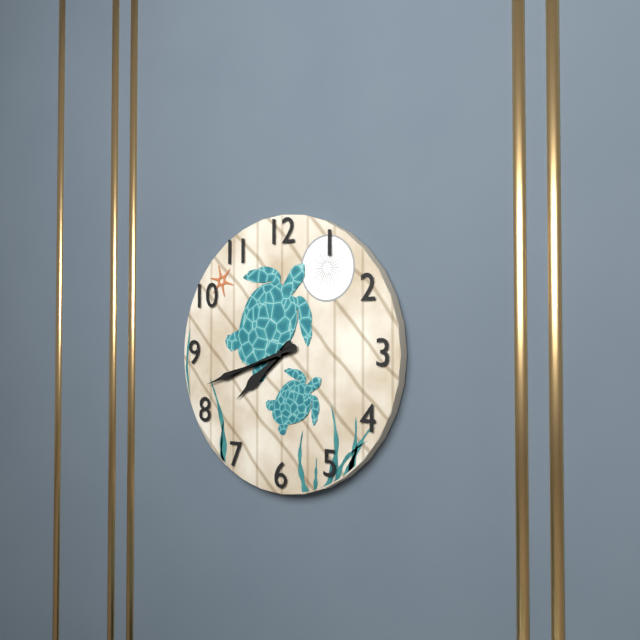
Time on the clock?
7:42
